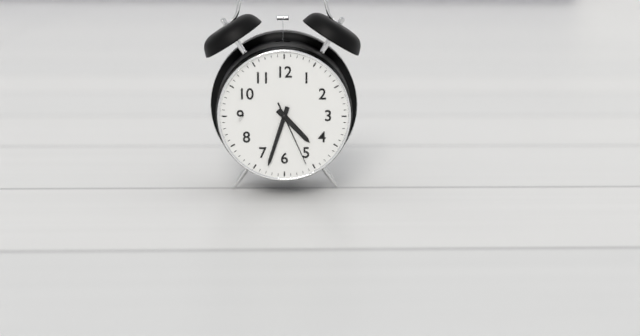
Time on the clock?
4:33:26
